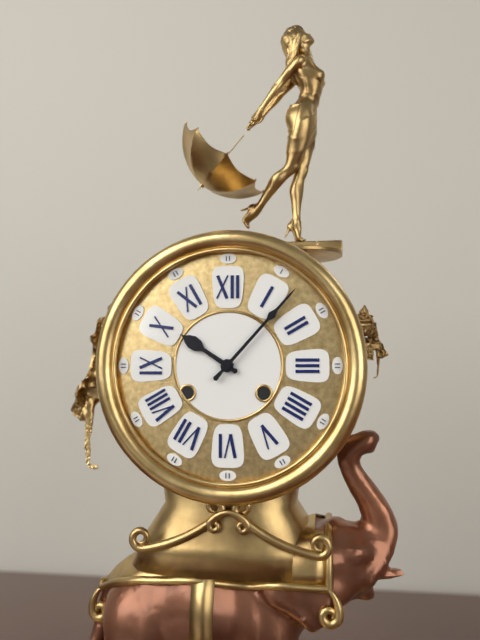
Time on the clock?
10:07
